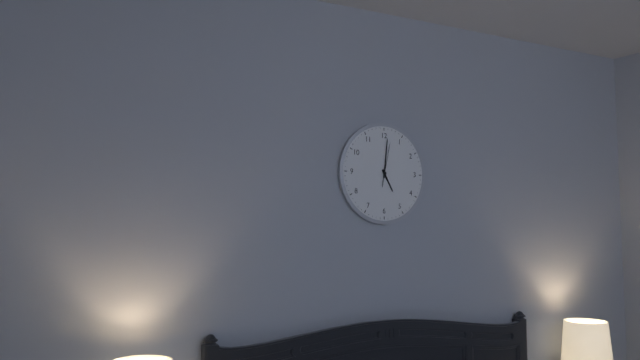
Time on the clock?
5:01
